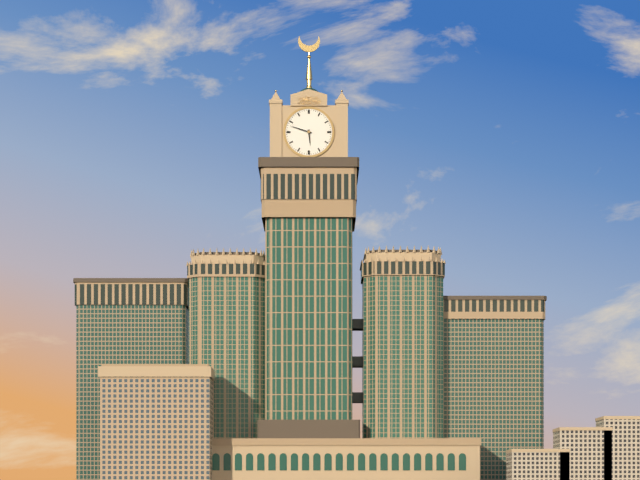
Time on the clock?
5:48
